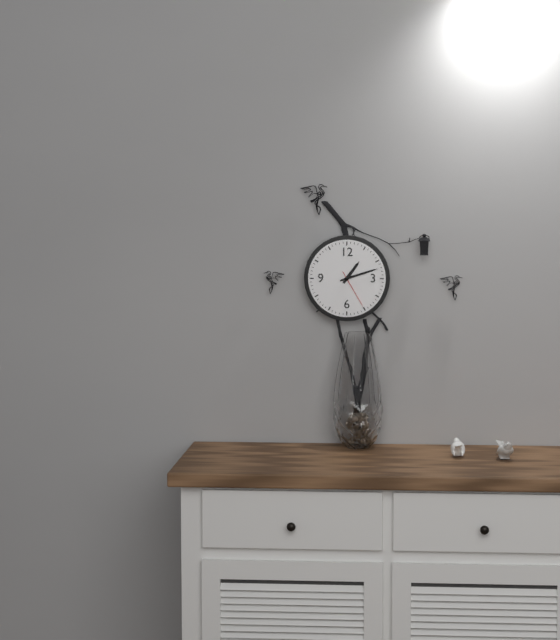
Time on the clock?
1:12
